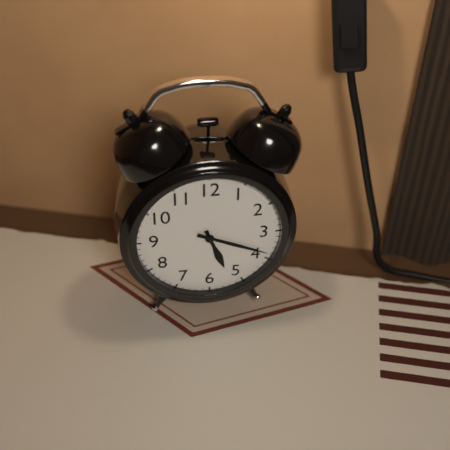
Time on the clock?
5:19
